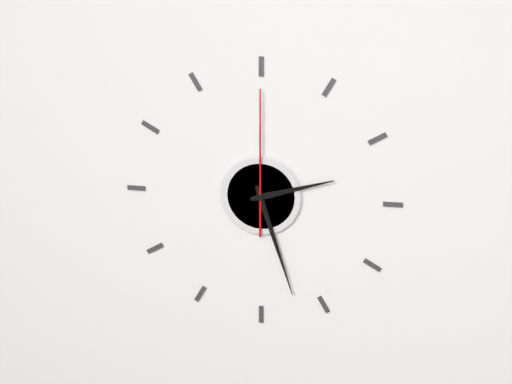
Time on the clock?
2:27:00
